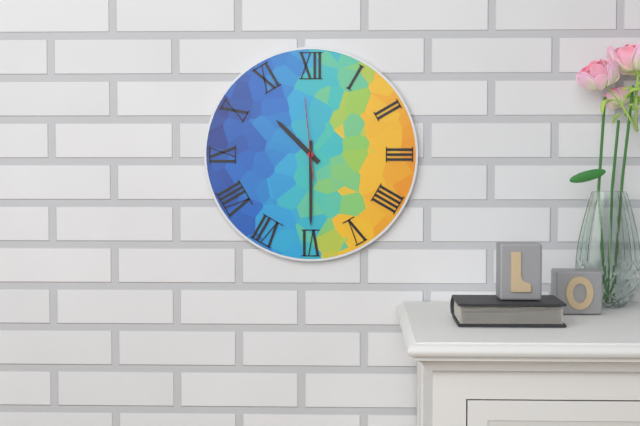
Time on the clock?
10:30:59
